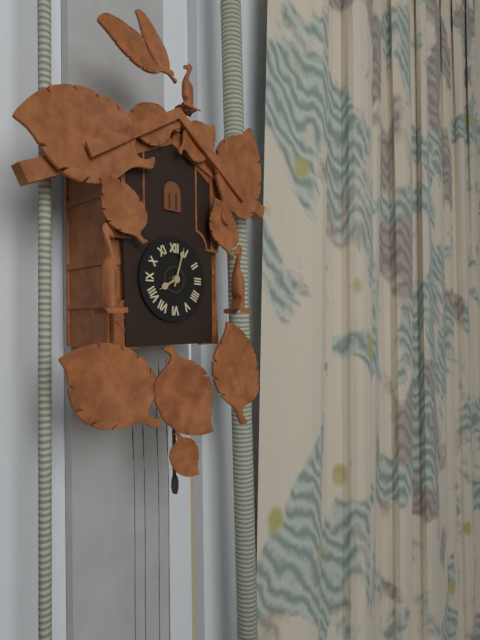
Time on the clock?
8:03
